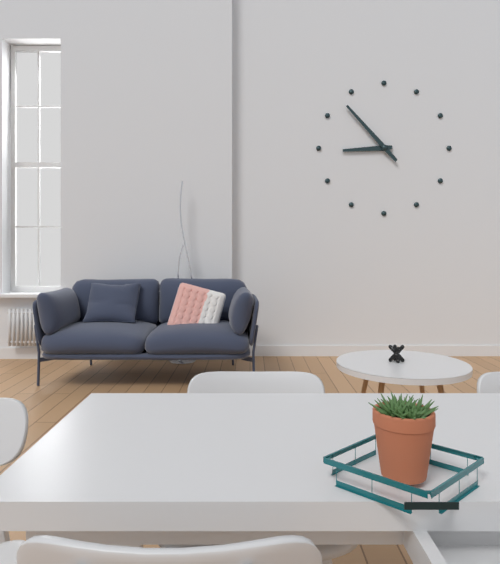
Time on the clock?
8:53
